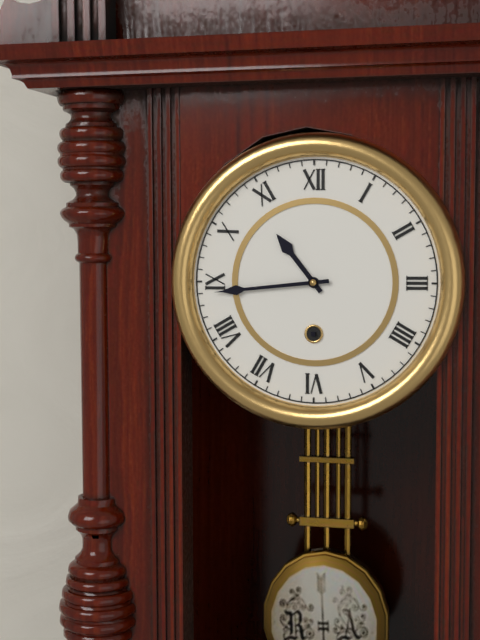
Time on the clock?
10:44
